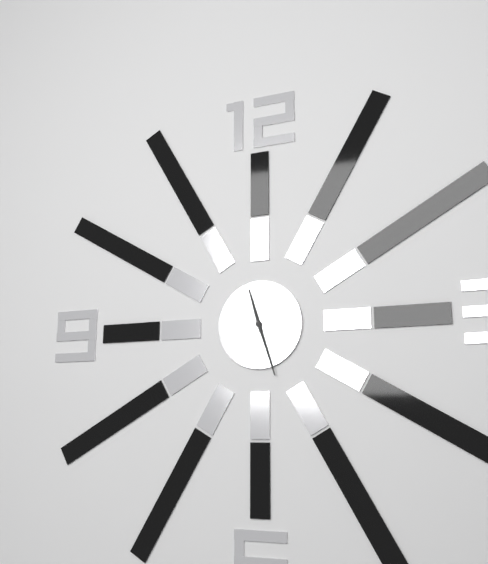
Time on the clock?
11:27
